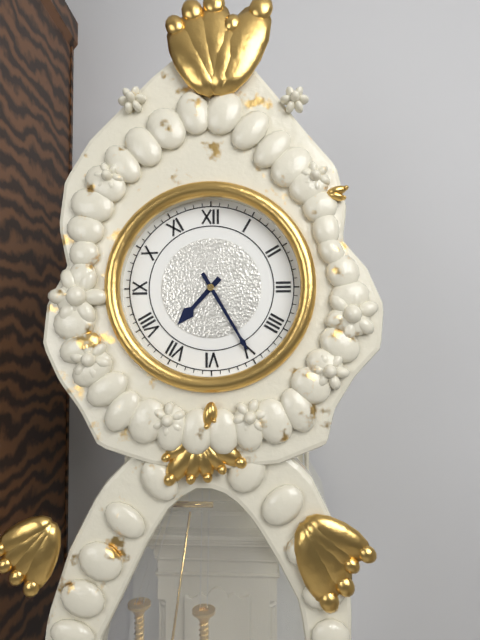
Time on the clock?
7:25
